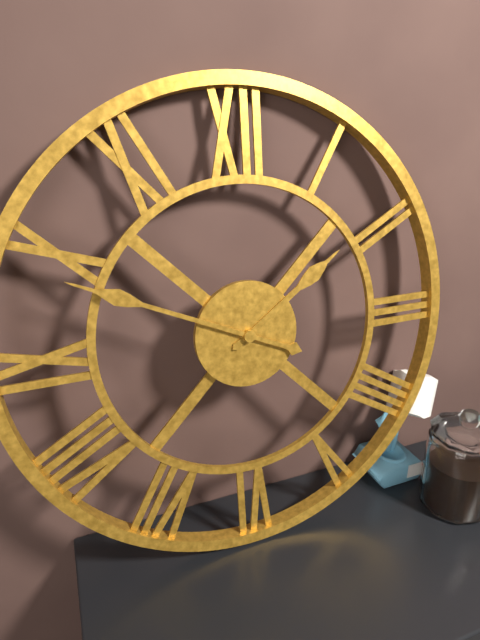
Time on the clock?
1:49
